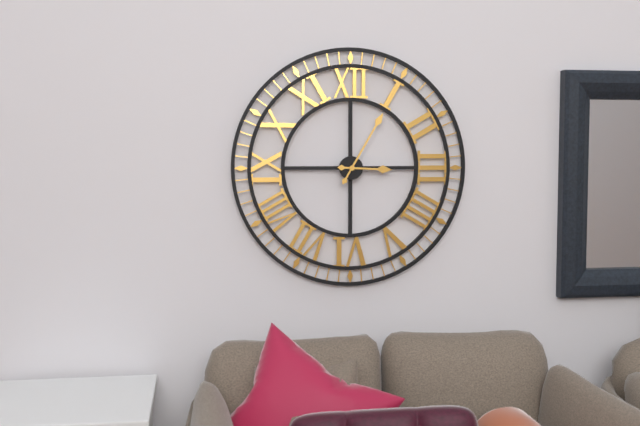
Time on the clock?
3:05
